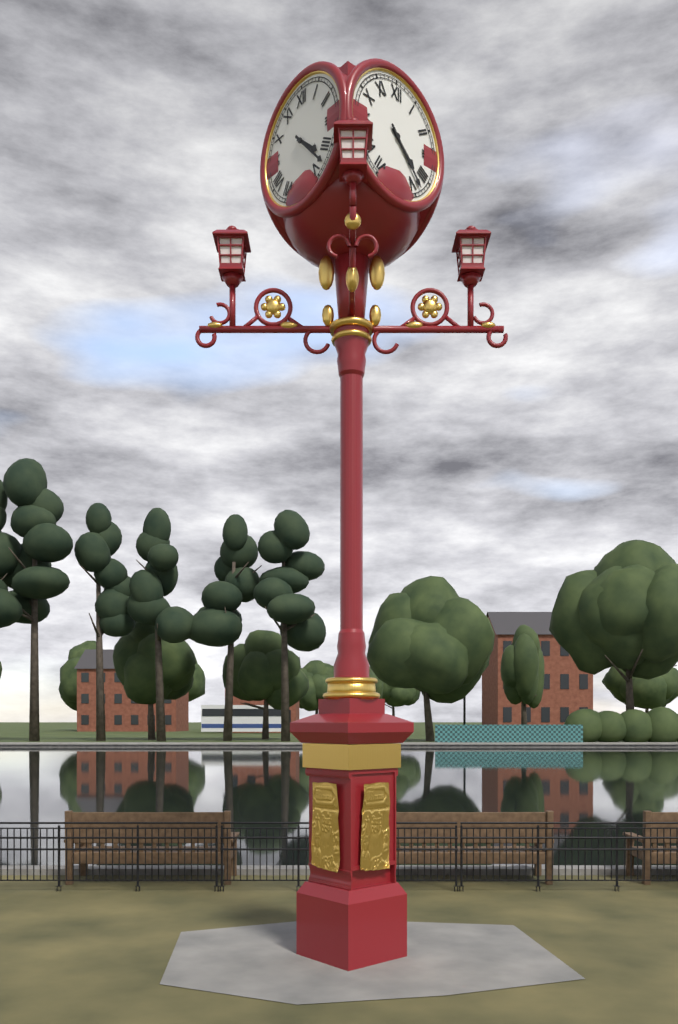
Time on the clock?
4:23
